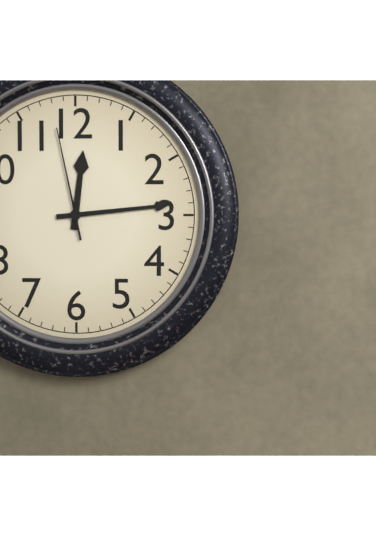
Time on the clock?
12:14:58
